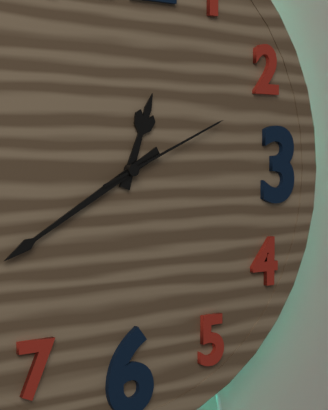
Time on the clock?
12:40:11
